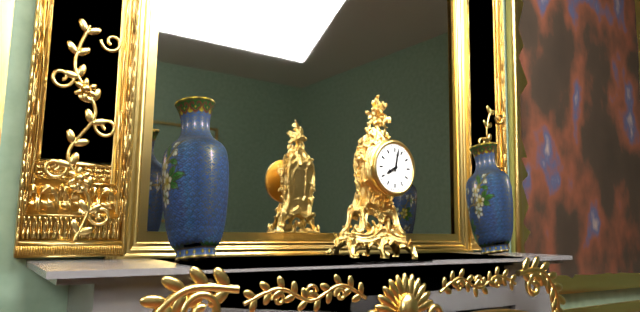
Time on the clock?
8:02
